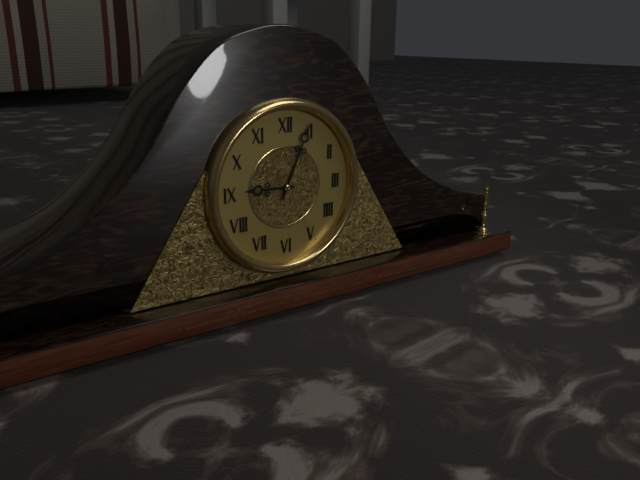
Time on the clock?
9:04:25
